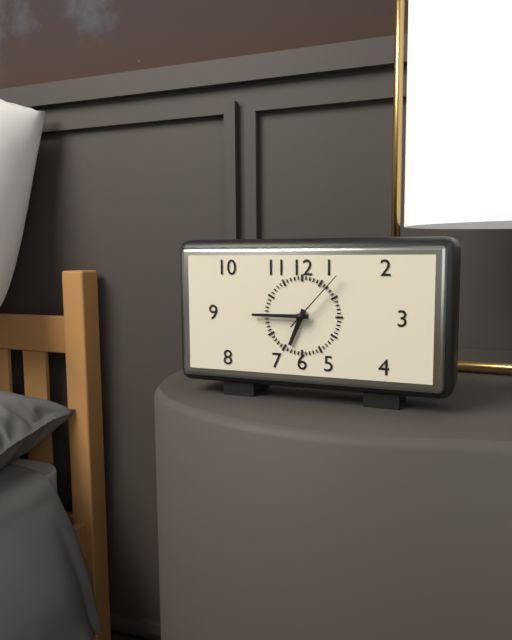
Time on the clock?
6:45:07
